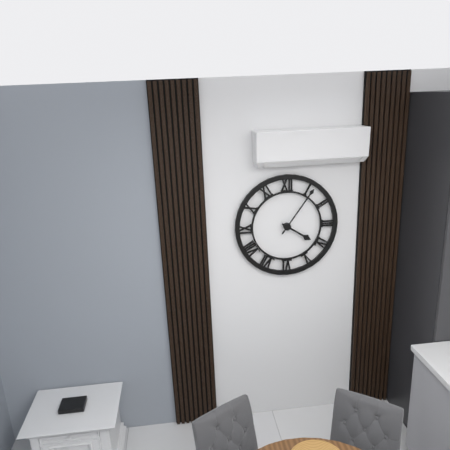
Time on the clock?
4:06
